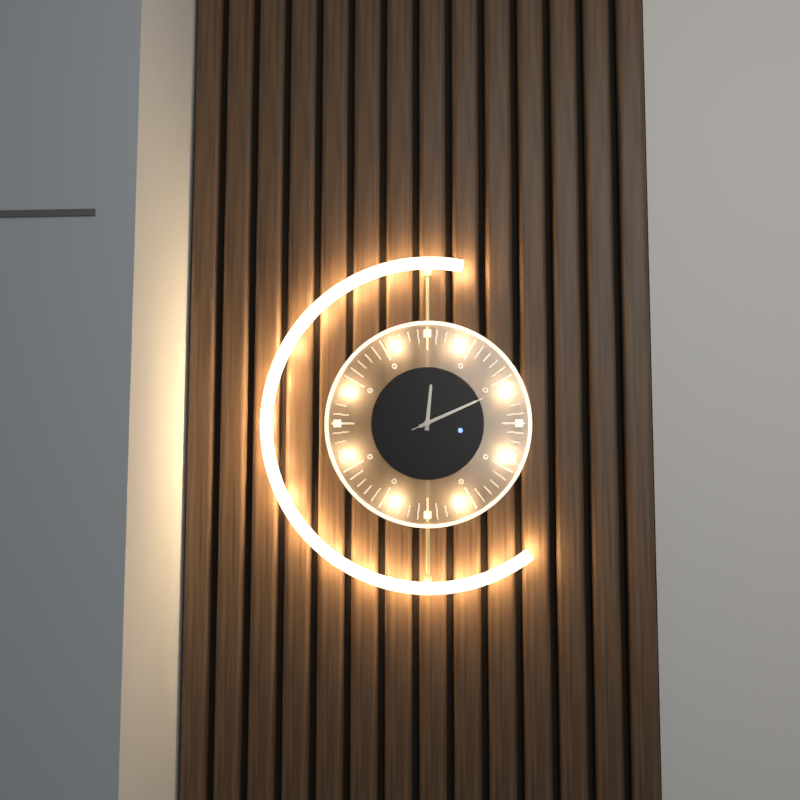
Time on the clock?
12:11:11
